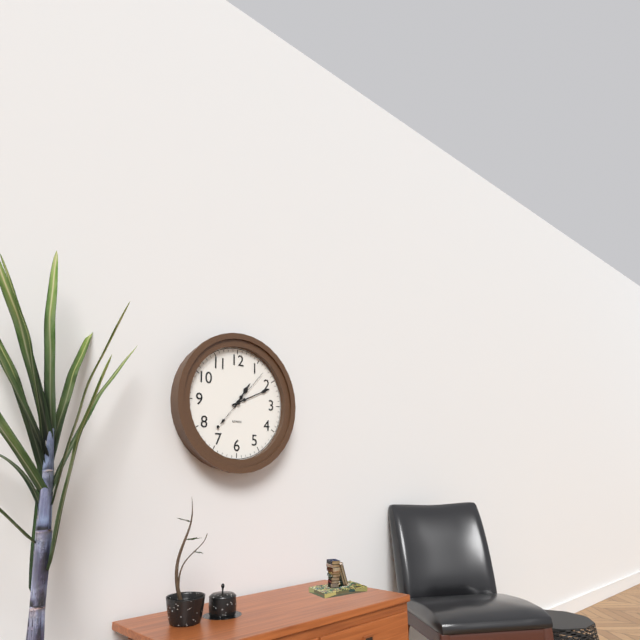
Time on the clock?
1:11
